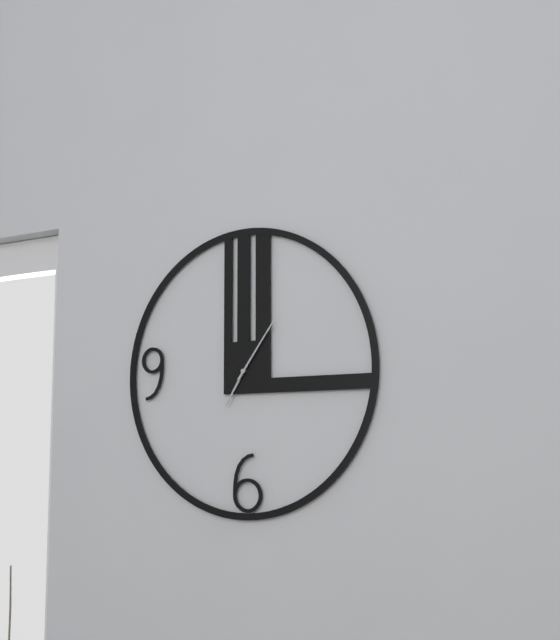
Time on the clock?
7:06
